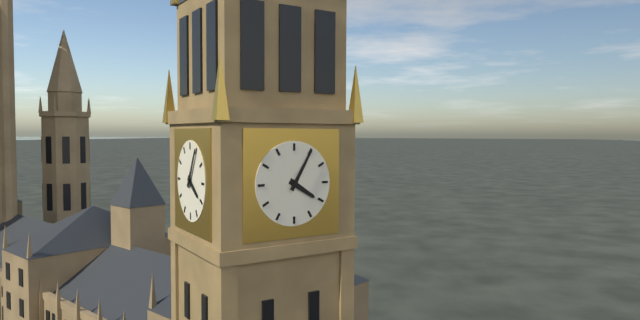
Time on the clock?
4:05
